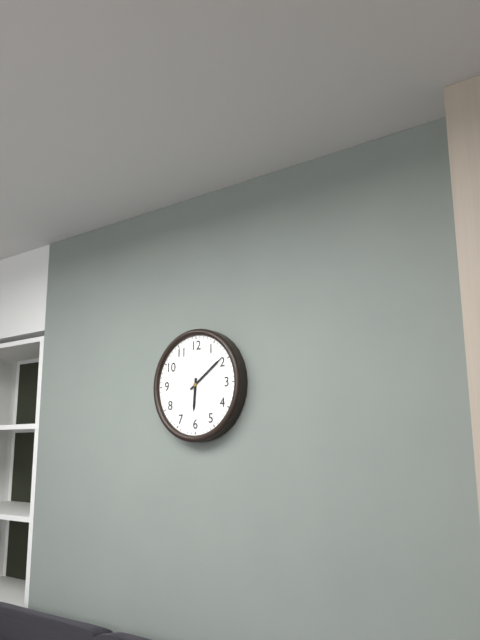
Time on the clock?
6:09
